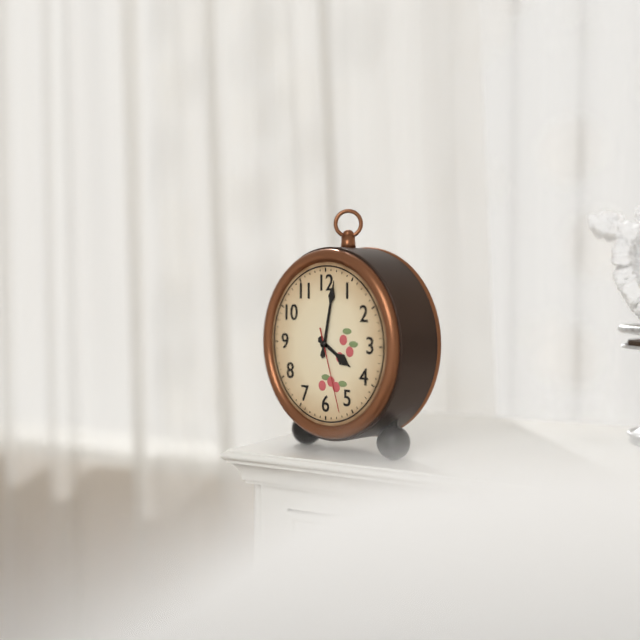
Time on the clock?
4:02:27
